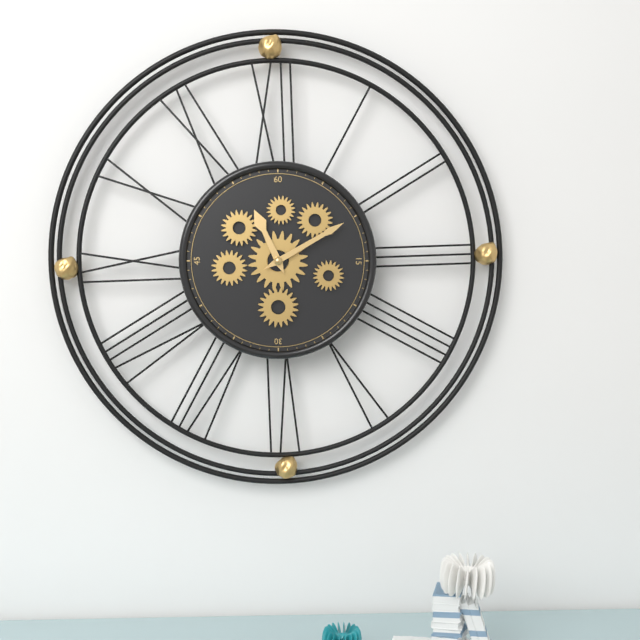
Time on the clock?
11:10
